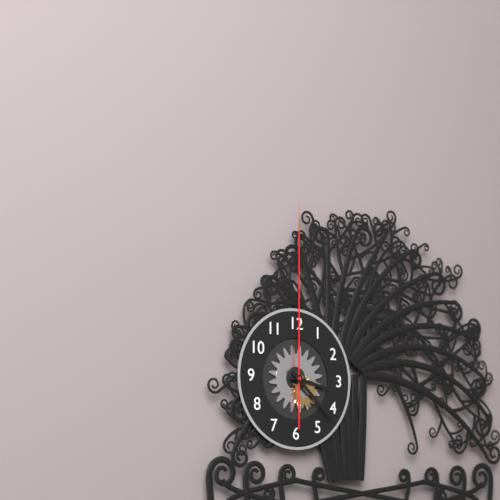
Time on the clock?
3:22:00
